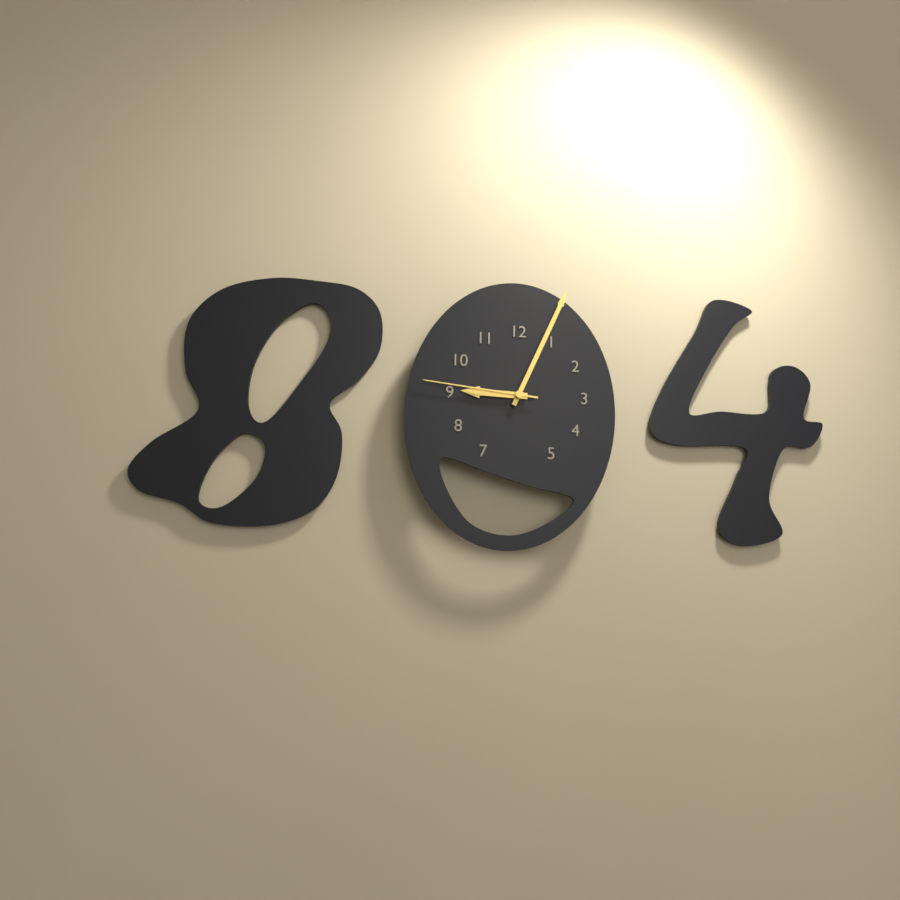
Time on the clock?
9:04:46
